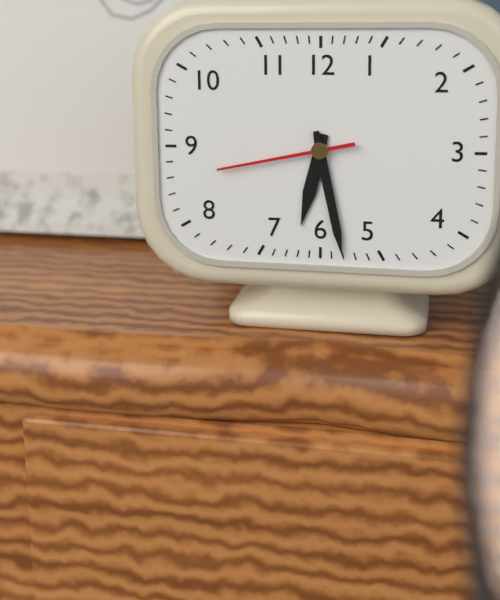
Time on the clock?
6:28:43
